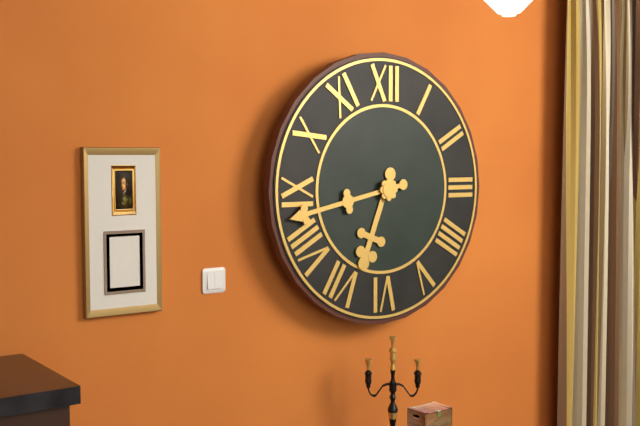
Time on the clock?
6:43
